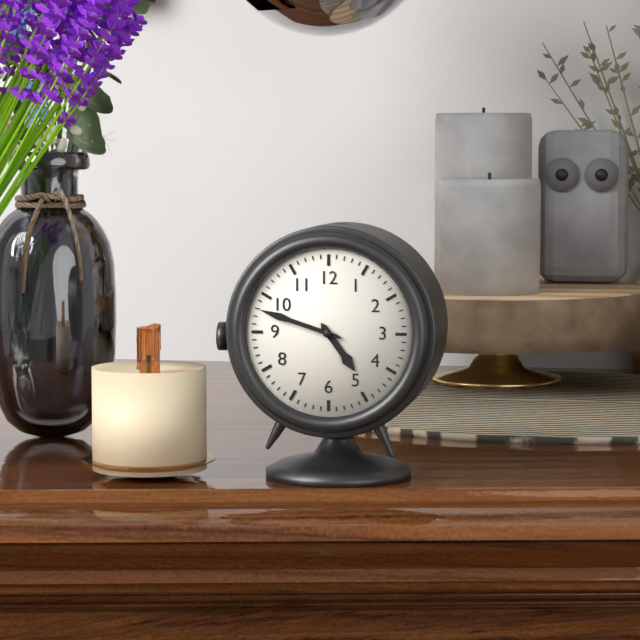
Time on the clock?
4:48
